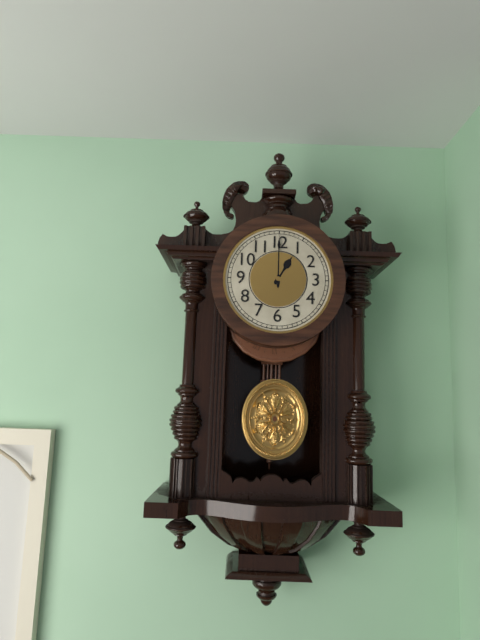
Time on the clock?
1:00
